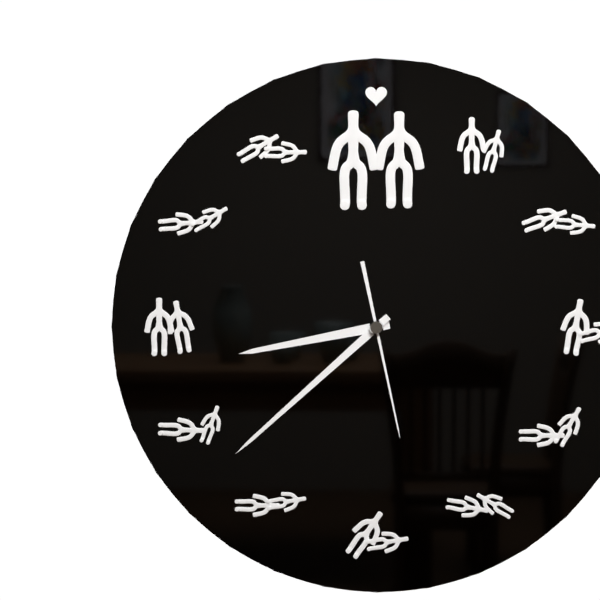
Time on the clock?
8:38:28
